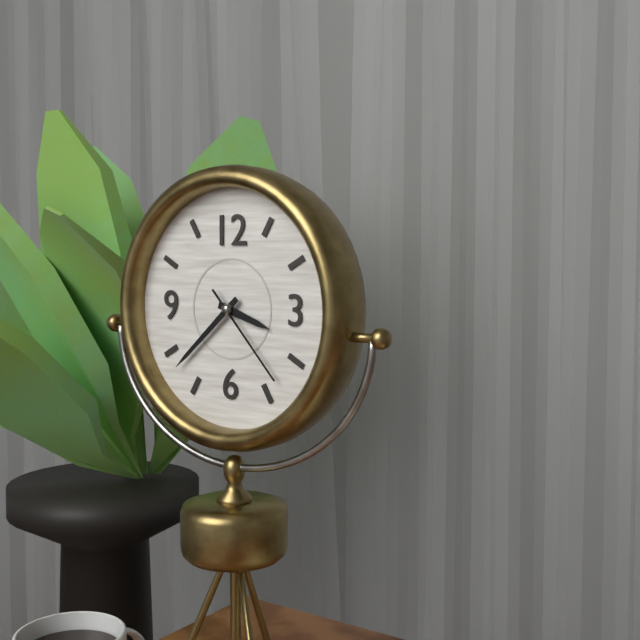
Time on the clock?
3:38:23
